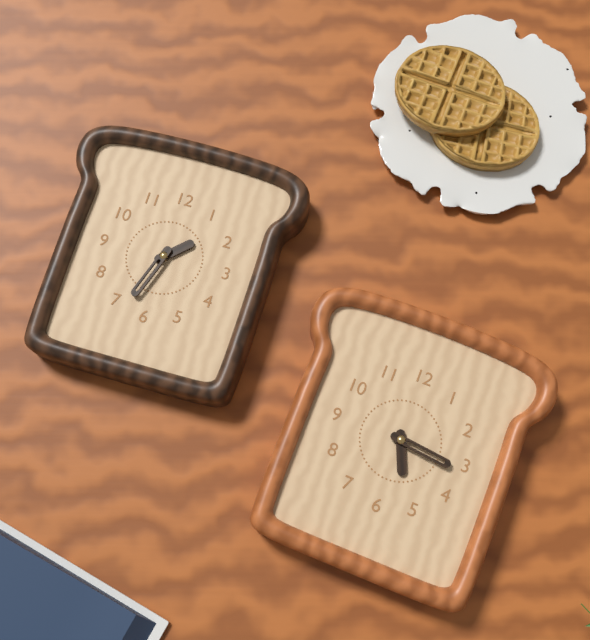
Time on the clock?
5:16
